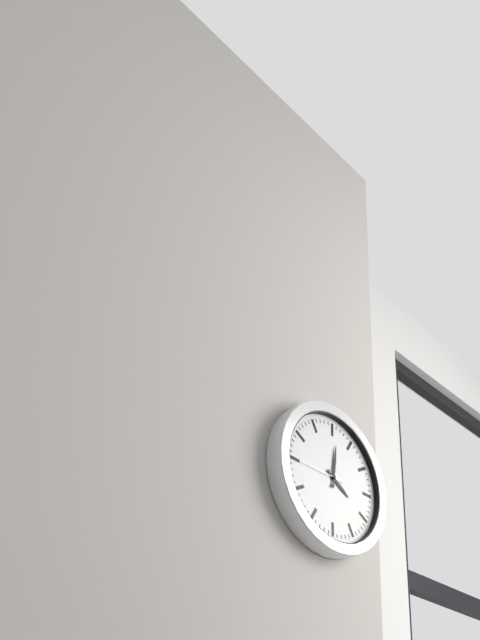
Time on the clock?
4:01
